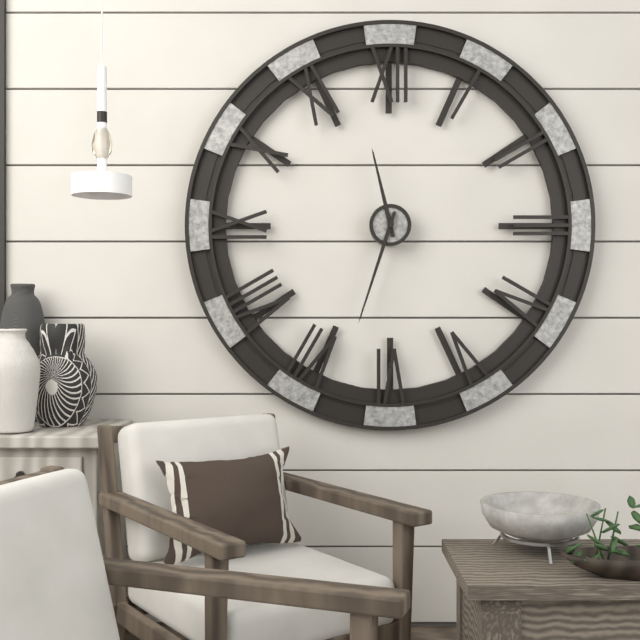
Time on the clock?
11:33
